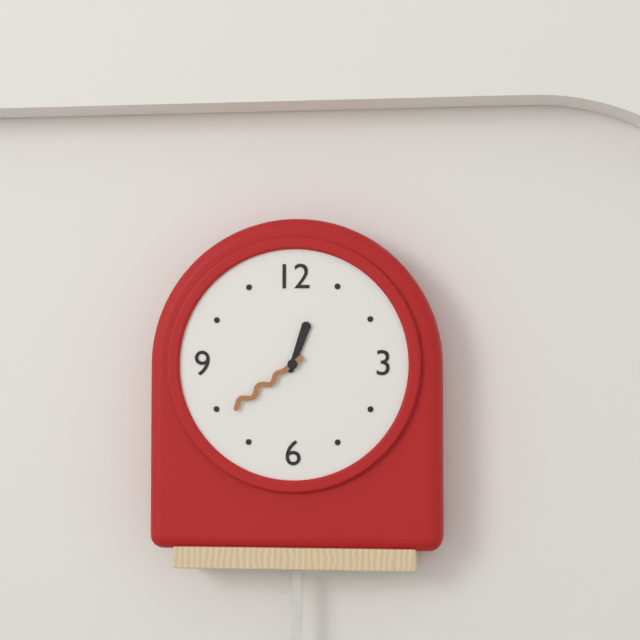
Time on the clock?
12:39
